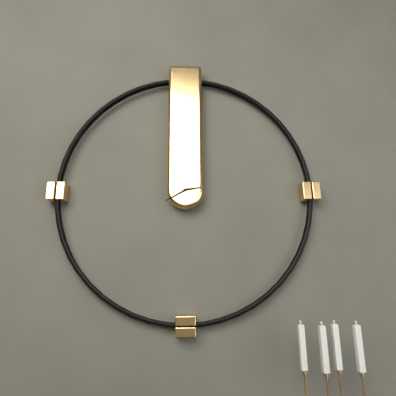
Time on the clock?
2:40
